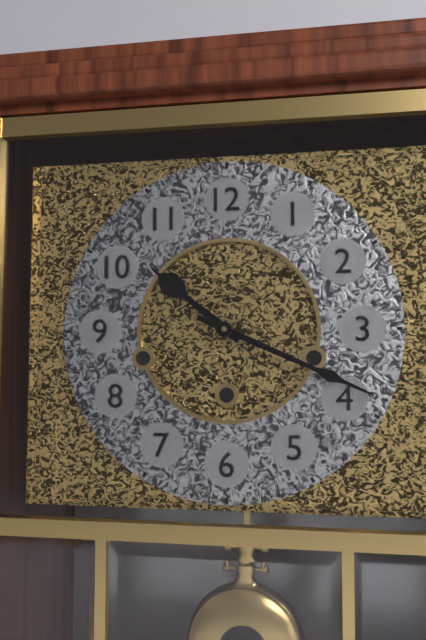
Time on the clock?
10:19
